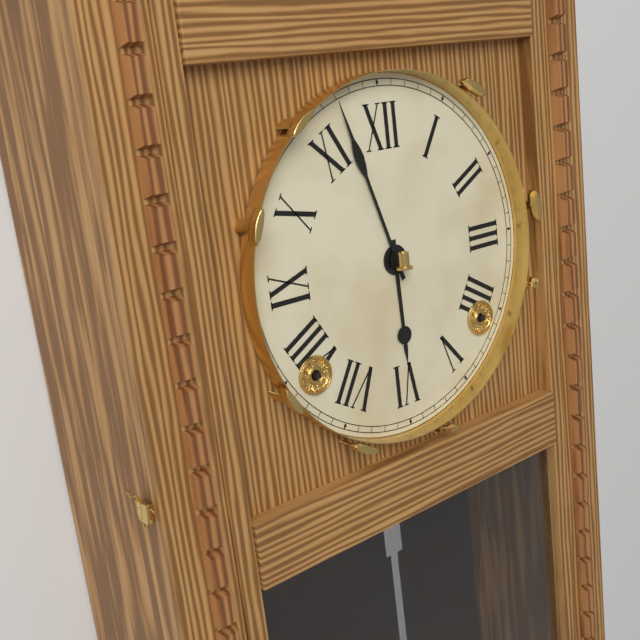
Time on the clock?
5:57
